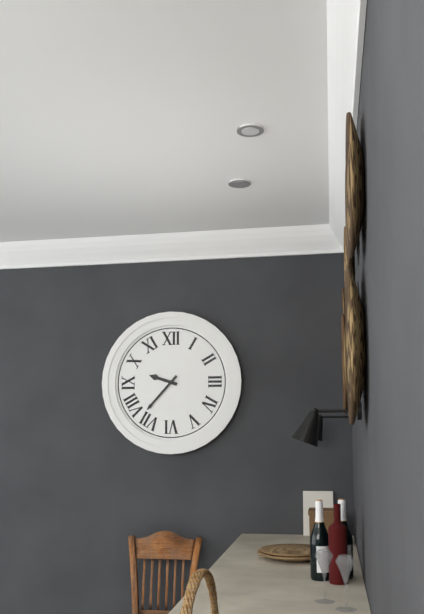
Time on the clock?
9:37
